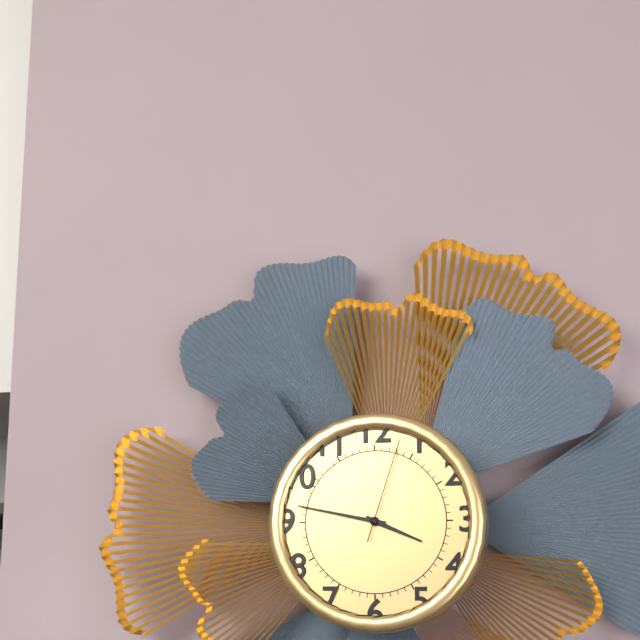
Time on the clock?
3:47:03
